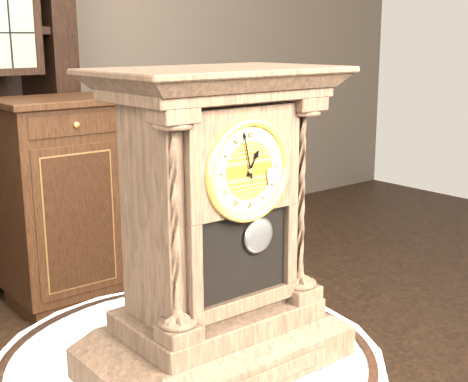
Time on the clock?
12:58
